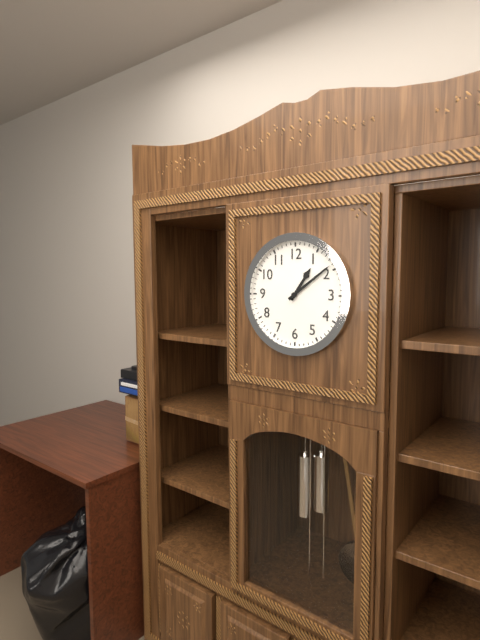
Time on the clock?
1:09
